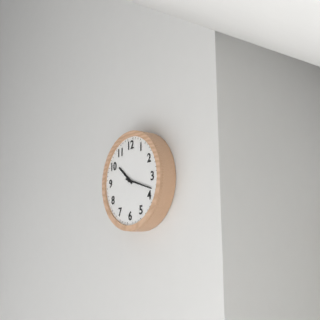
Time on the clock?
10:18
